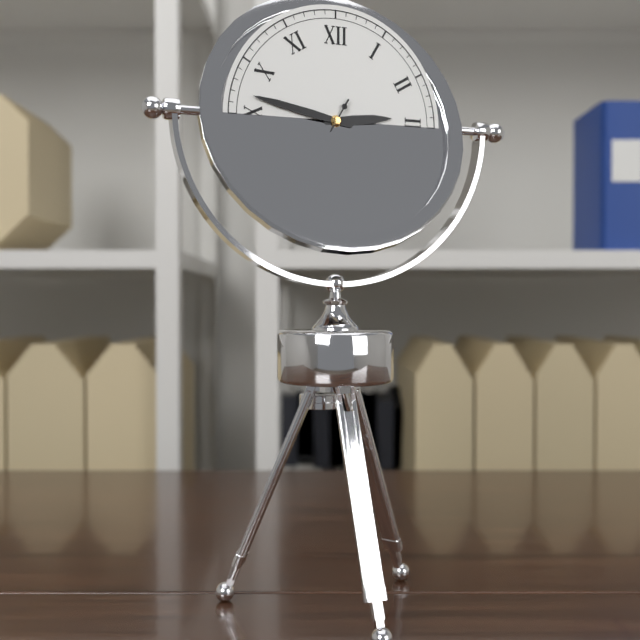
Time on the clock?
2:47
